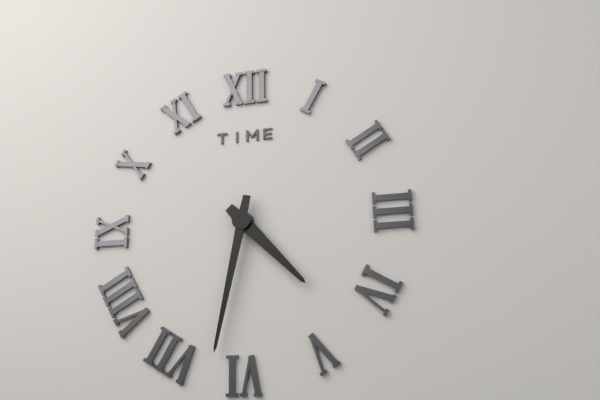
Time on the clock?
4:32
